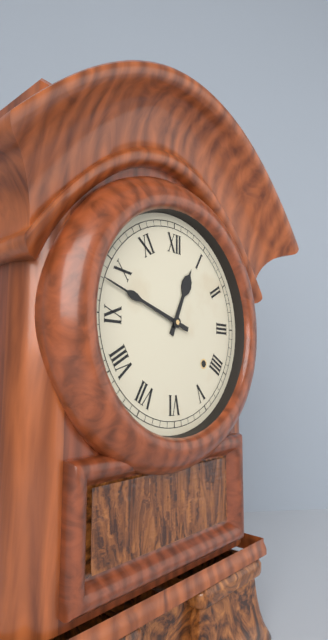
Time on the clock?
12:48
